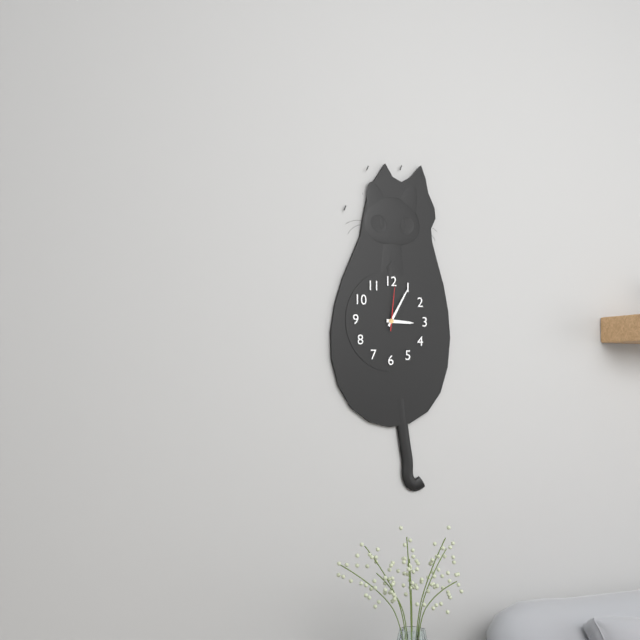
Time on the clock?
3:05
